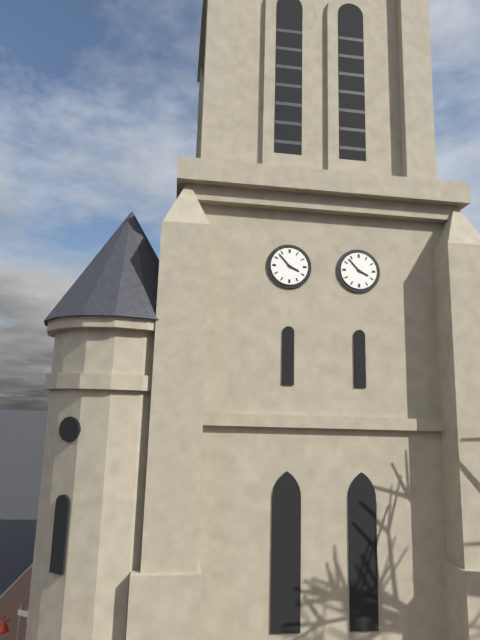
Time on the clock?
3:53
